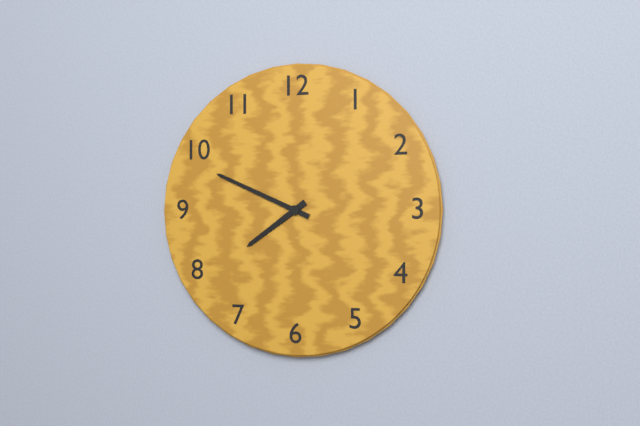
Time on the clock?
7:49
